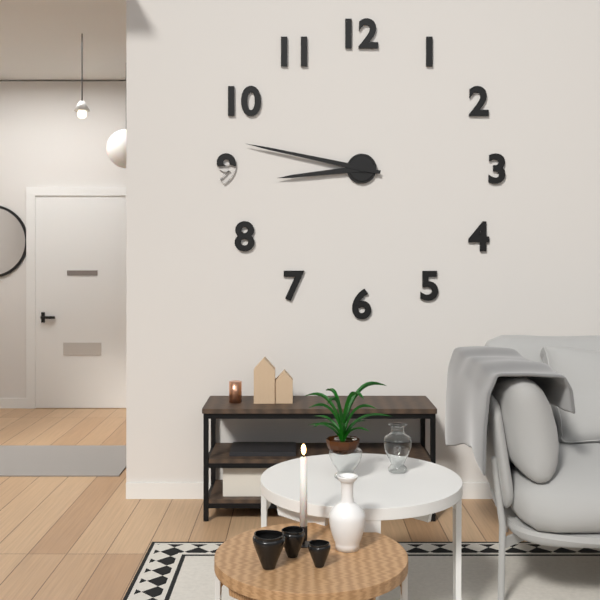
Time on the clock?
8:47
